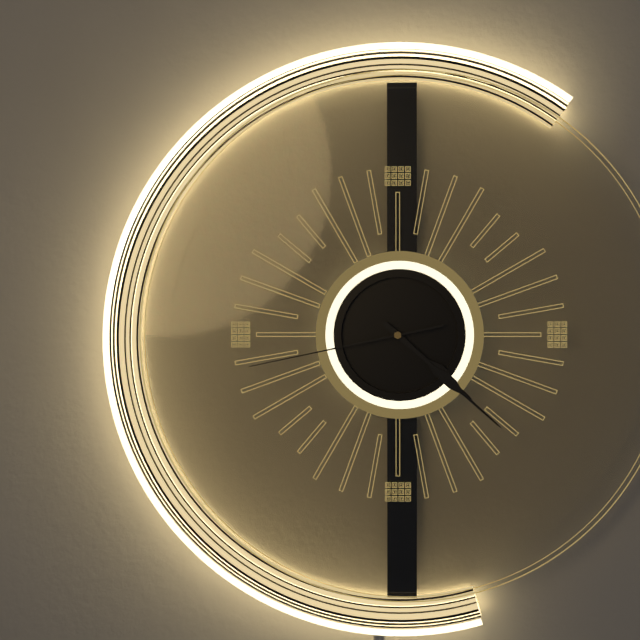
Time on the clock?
4:22:43
